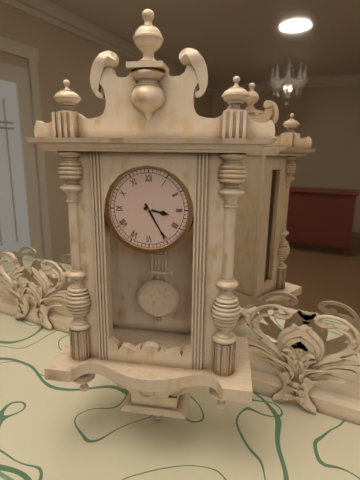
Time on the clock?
3:25
